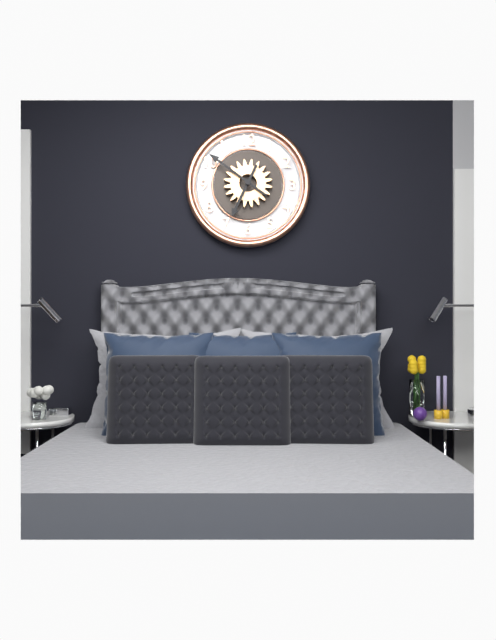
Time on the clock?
6:51
